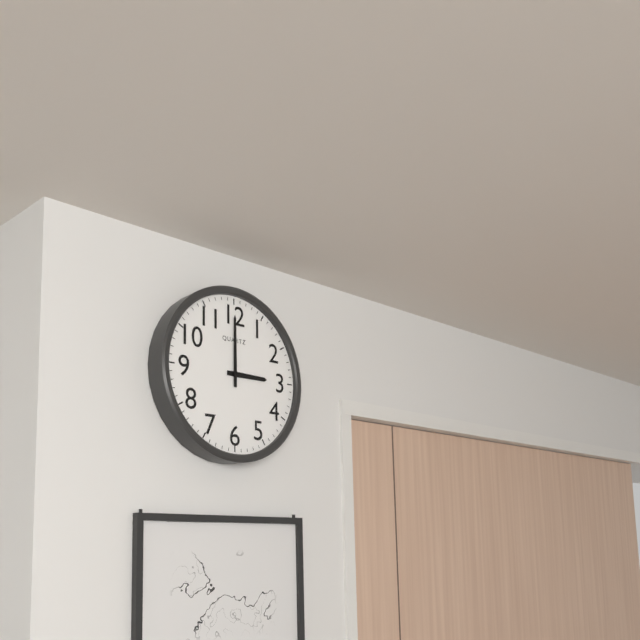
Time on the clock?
3:00
